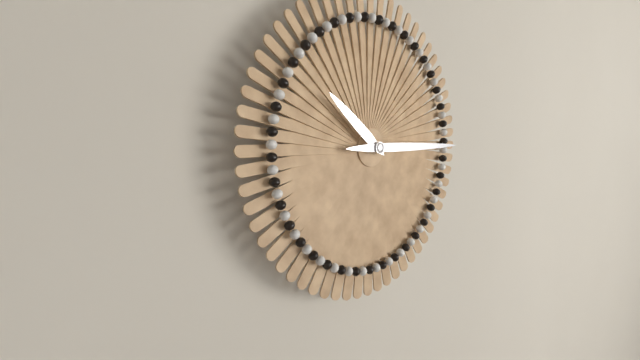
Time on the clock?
10:15
